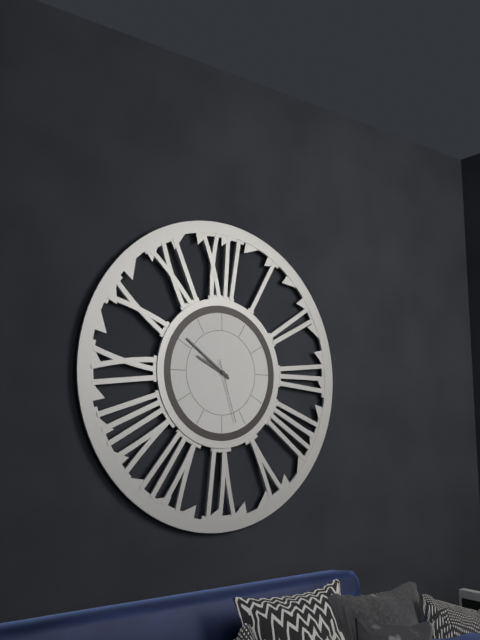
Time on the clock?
9:51:27
